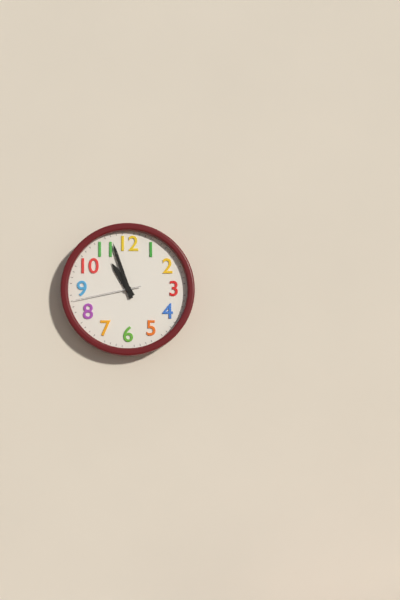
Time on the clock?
10:57:43
